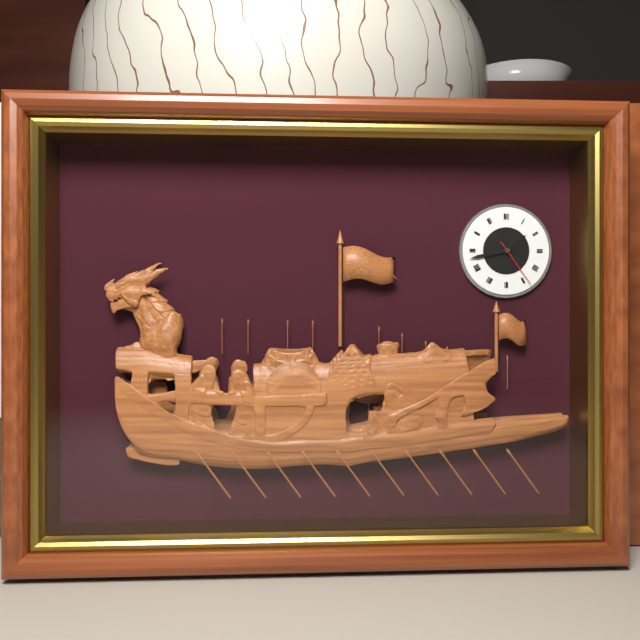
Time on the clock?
1:43:24
